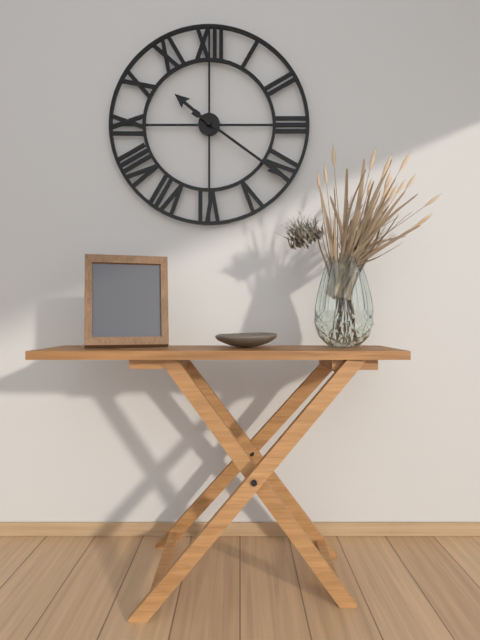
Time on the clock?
10:21
